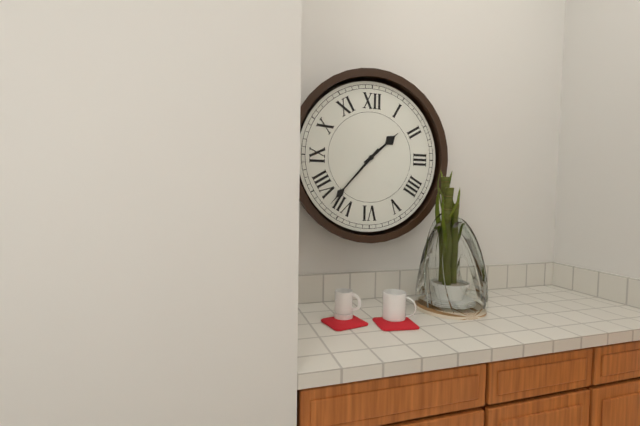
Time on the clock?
1:37
